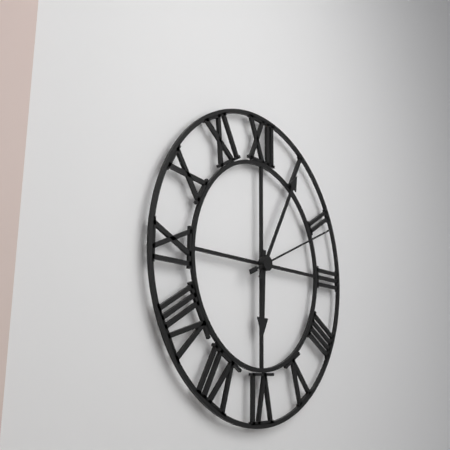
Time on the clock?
6:05:11
